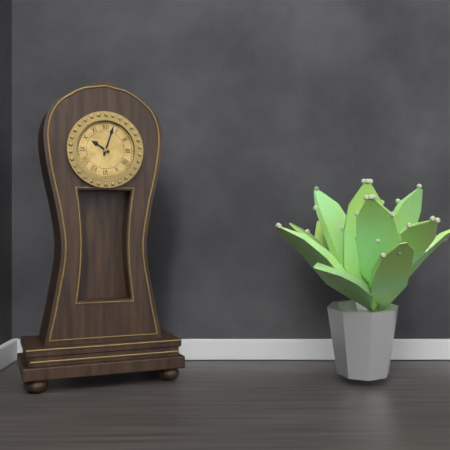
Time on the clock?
10:03
